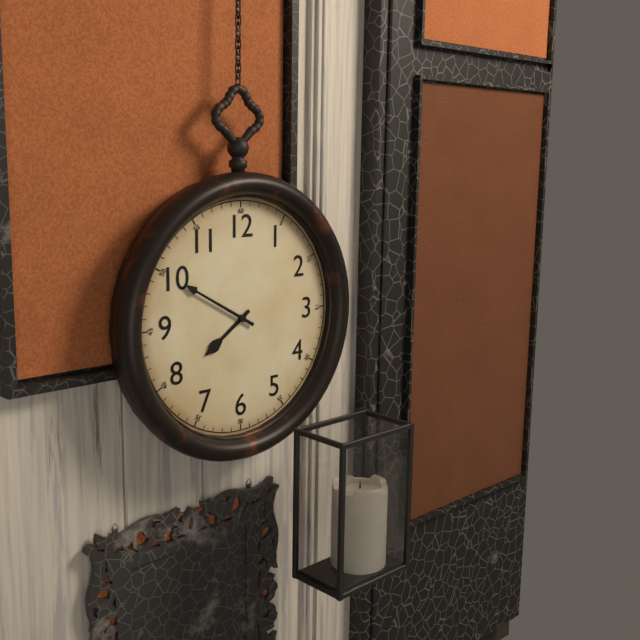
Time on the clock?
7:50
